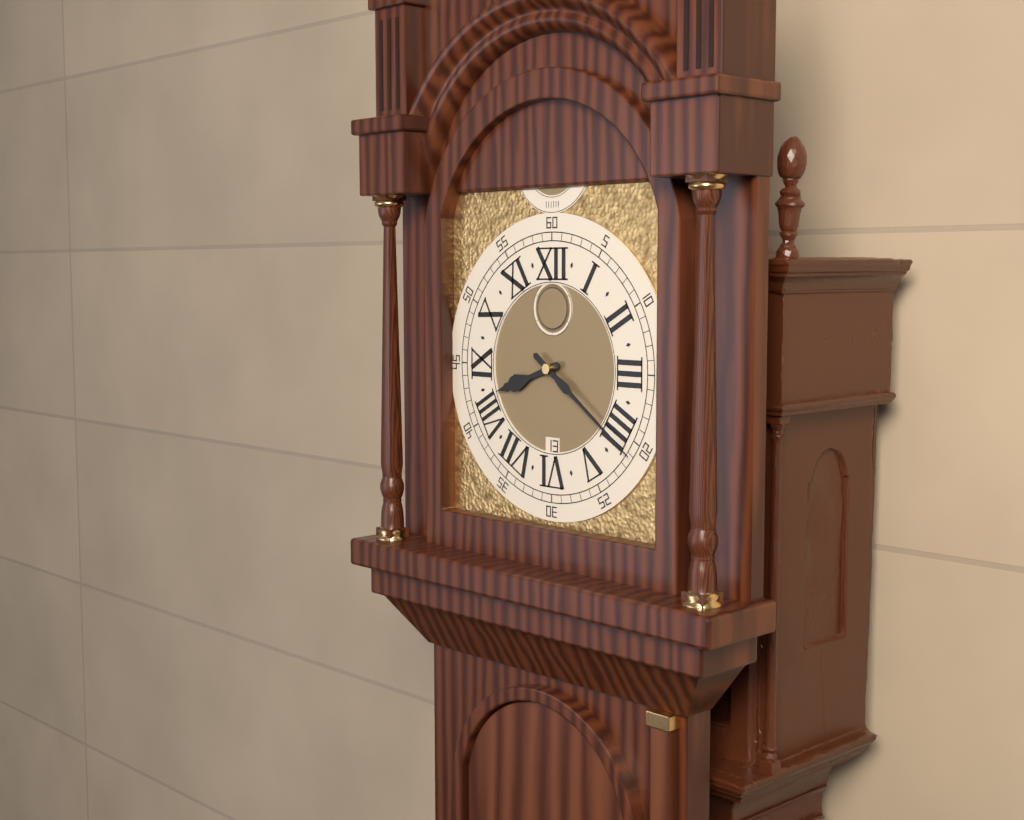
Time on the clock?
8:21
